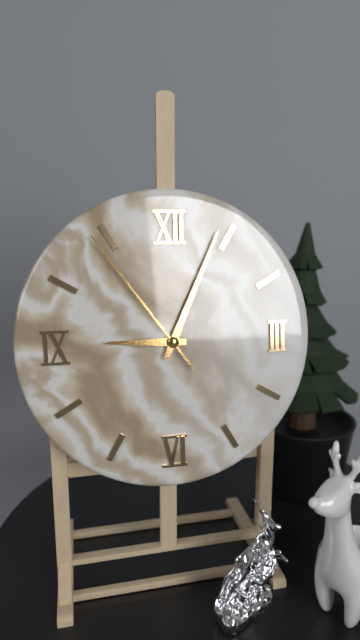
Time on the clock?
9:04:54
